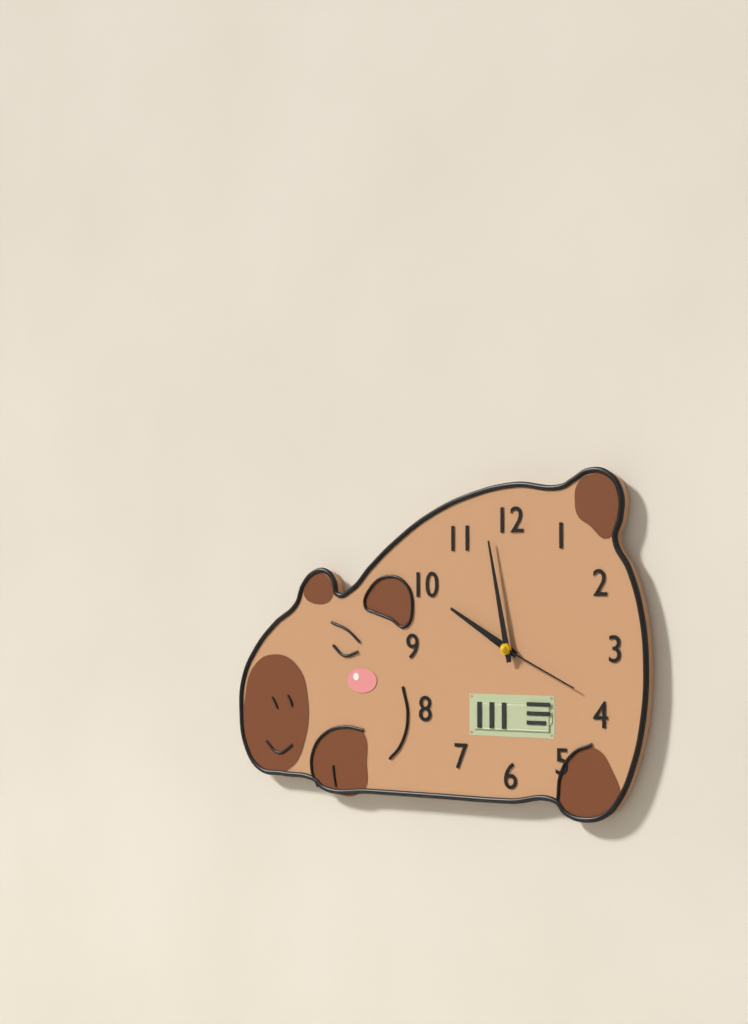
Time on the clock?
9:58:19
